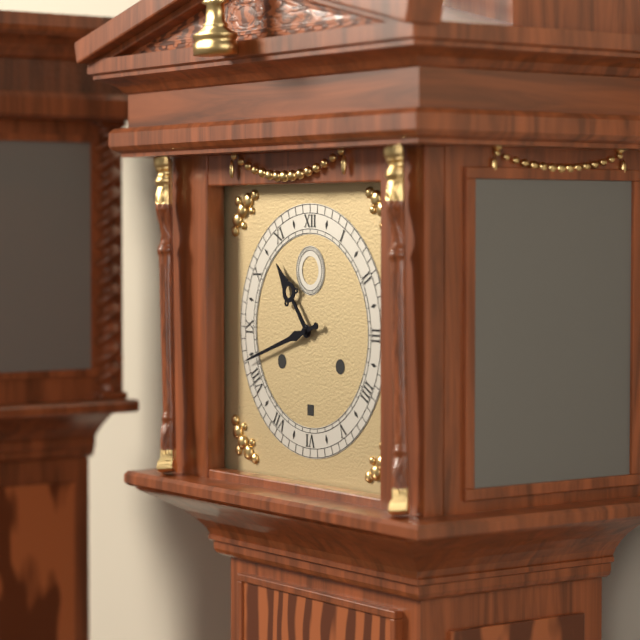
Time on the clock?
10:42
